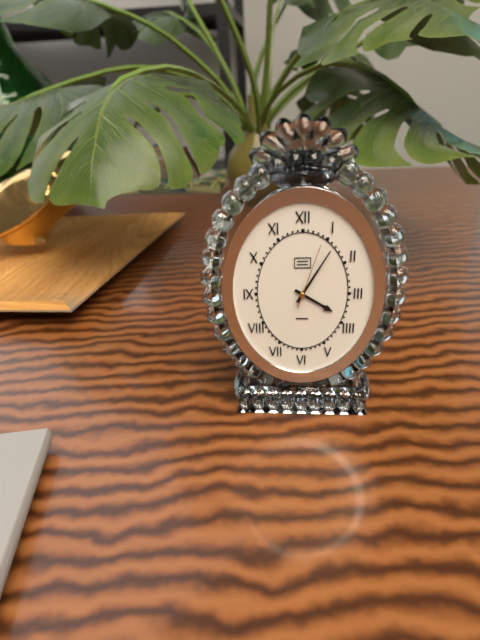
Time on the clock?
4:05:03
